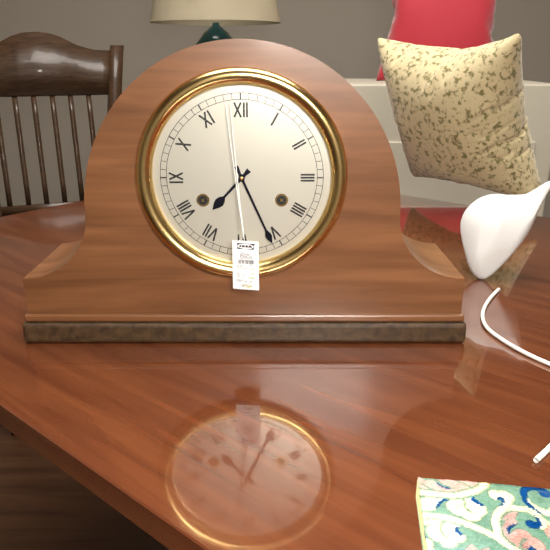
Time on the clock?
7:26
